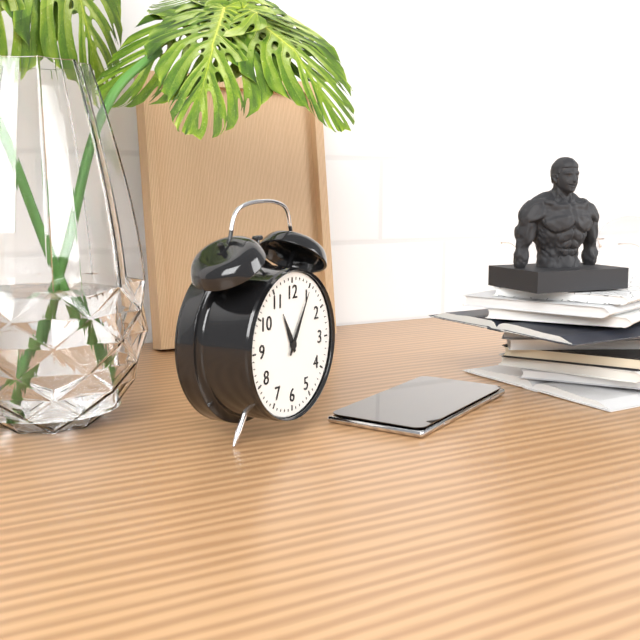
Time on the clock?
11:05
